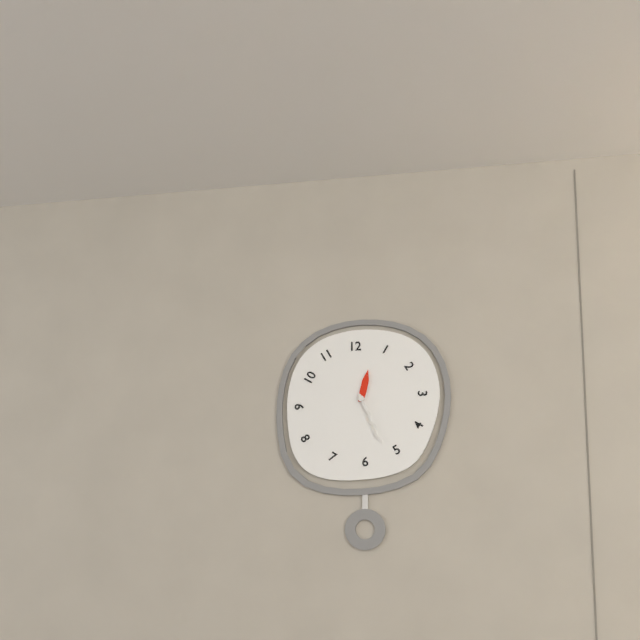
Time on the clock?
12:26
